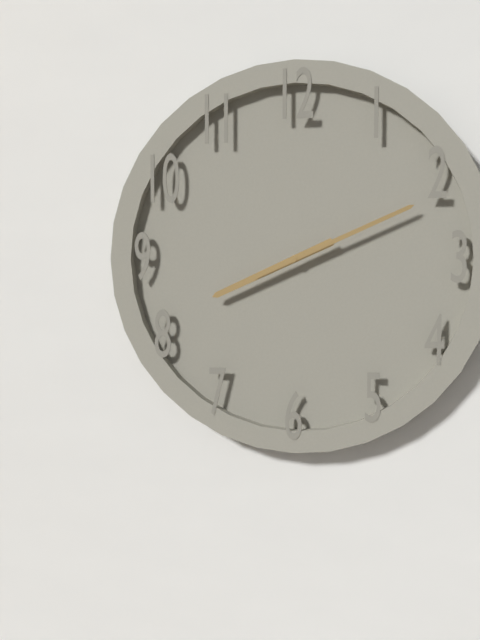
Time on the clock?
8:11
